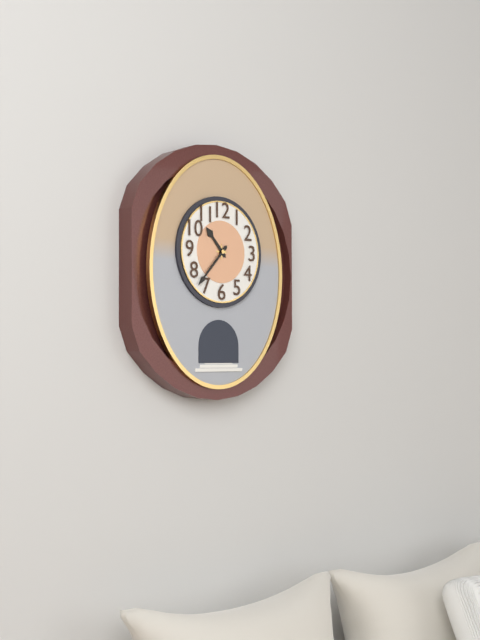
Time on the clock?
10:37
